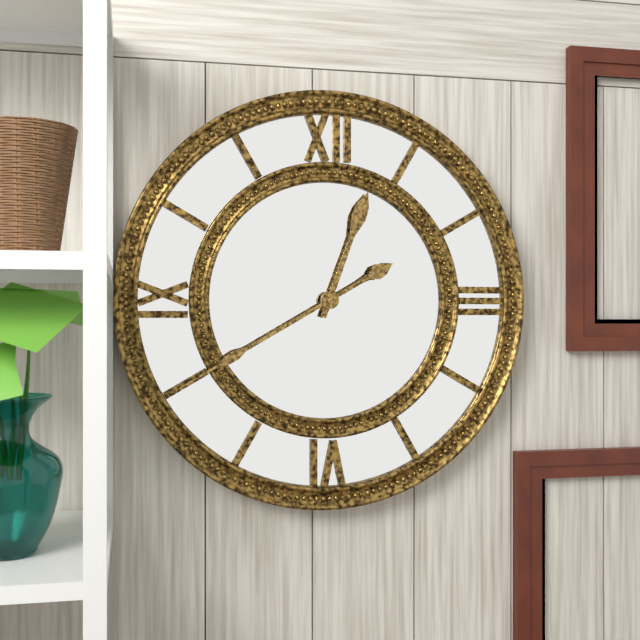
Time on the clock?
12:40
